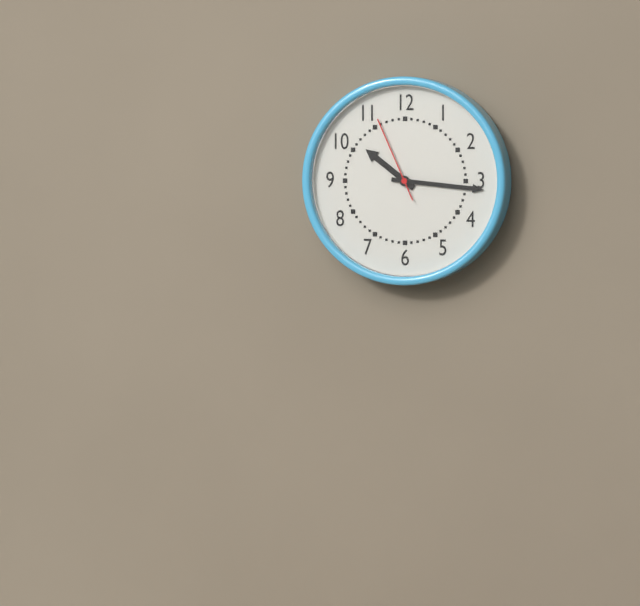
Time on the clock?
10:16:56
